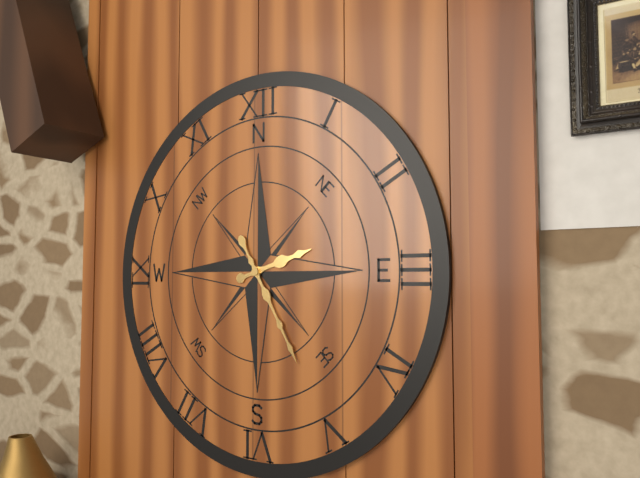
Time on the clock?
2:25
